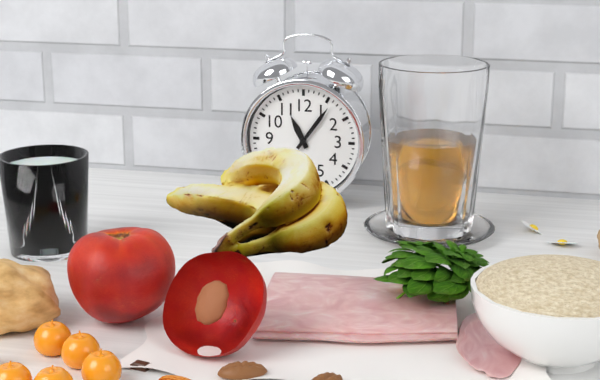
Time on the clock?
11:06
